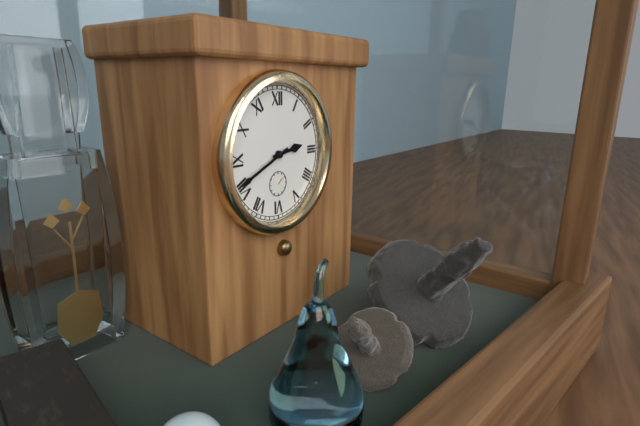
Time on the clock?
2:41
